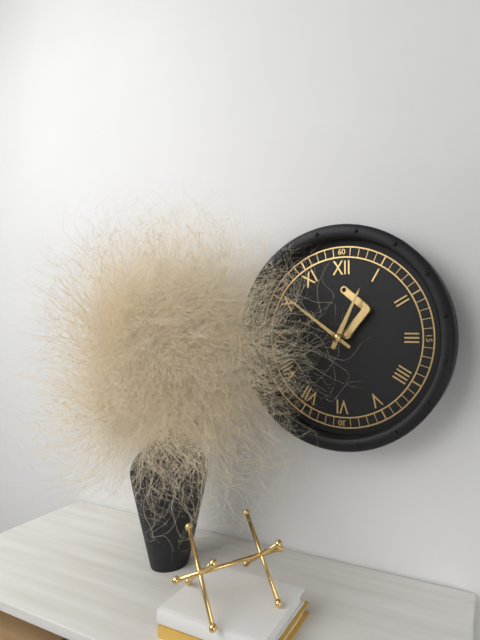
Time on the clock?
12:51
